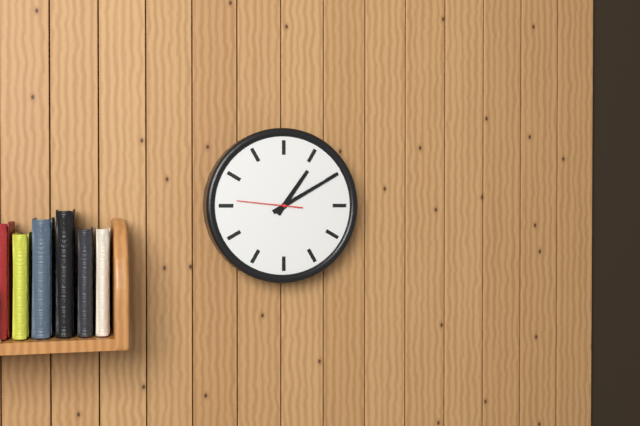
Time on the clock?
1:10:46
